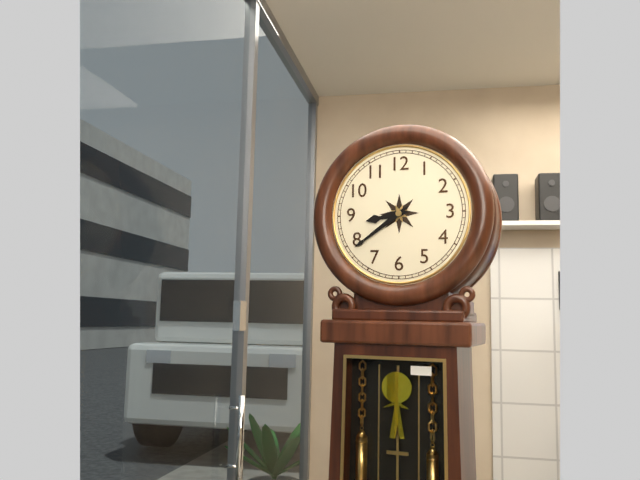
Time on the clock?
8:39
